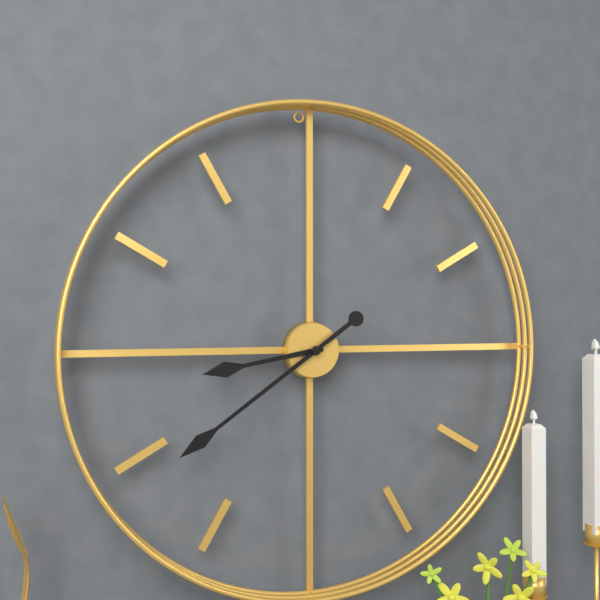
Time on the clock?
8:39
